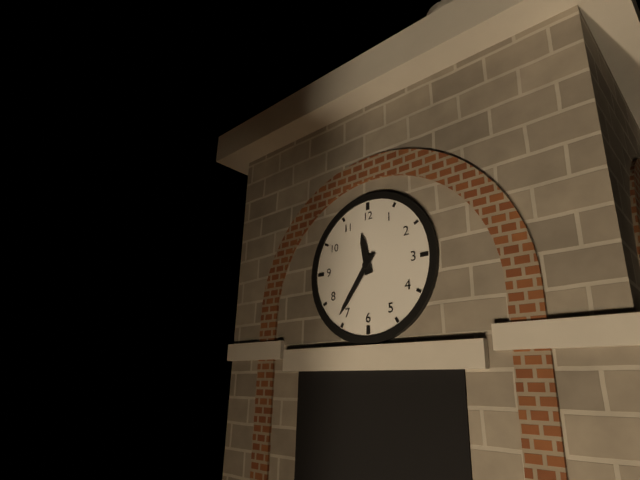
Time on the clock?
11:36
